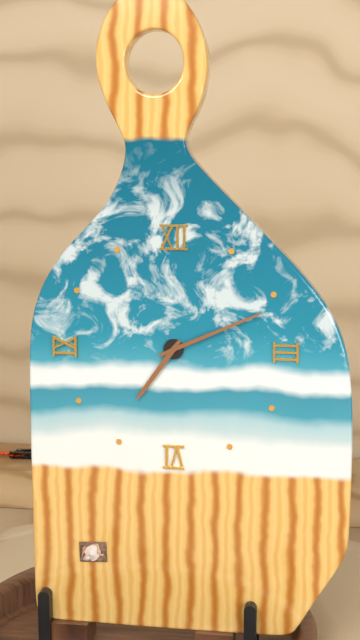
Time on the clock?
7:11
